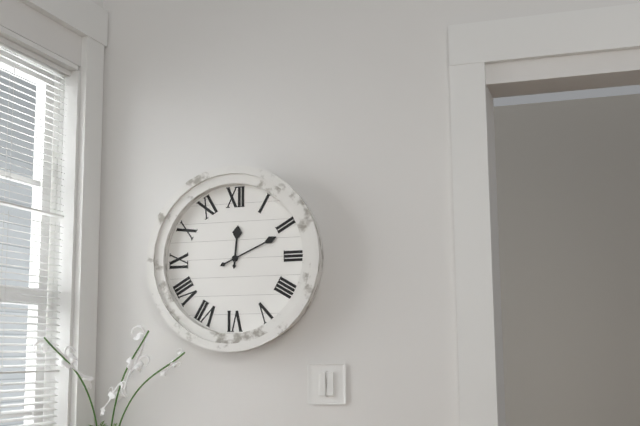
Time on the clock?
12:11
